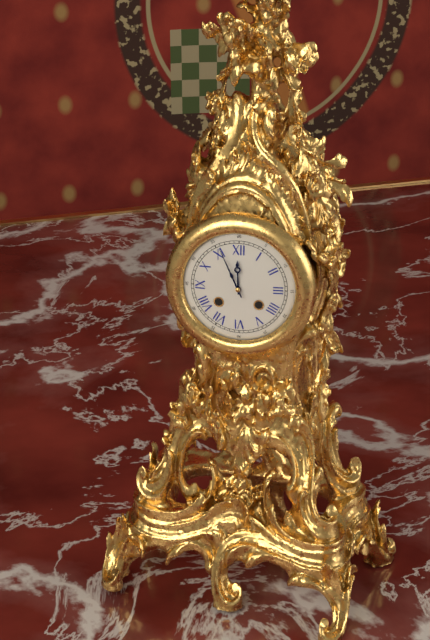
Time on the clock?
11:56
